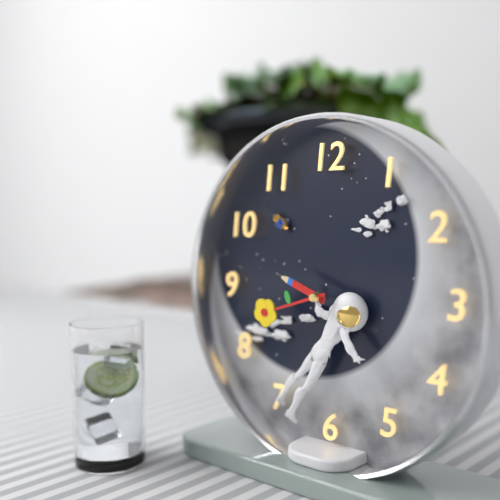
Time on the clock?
9:42
